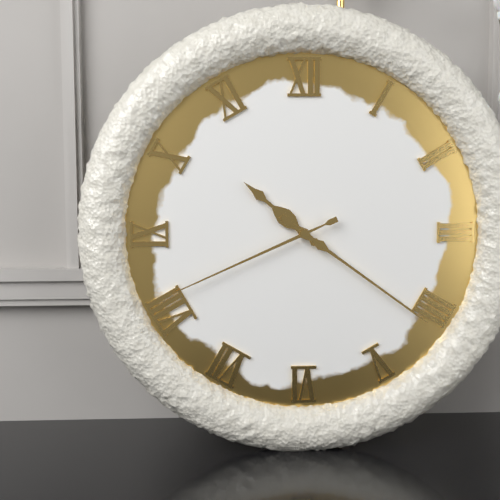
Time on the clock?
10:21:41
